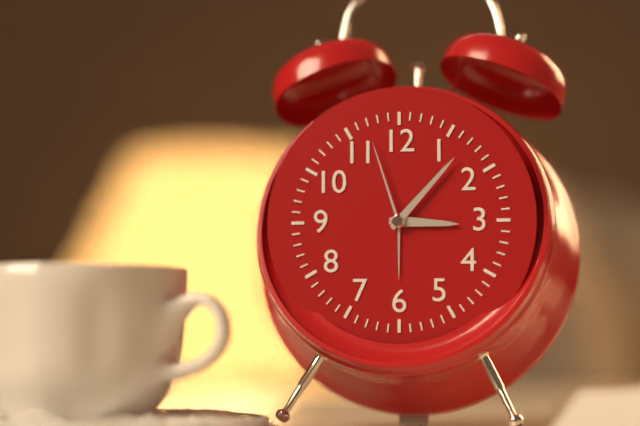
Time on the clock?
3:07:57
